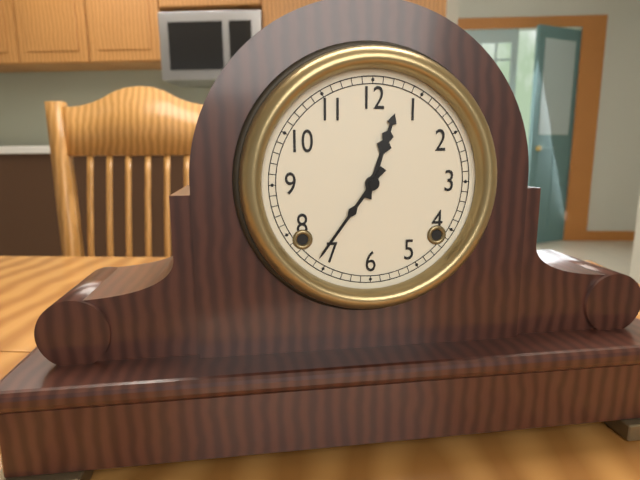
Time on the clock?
12:36
